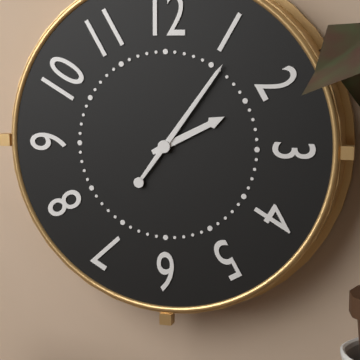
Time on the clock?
2:06
